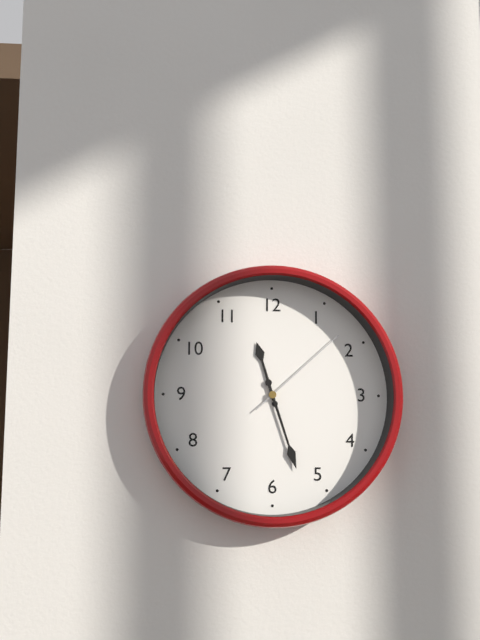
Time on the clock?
11:27:08
